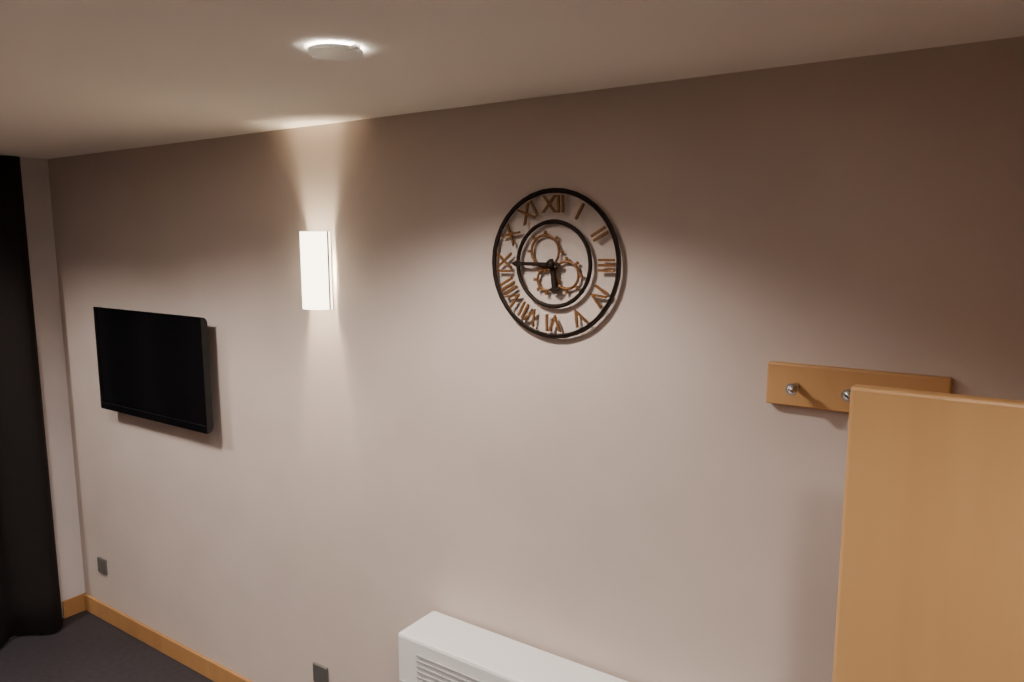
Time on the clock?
5:45
